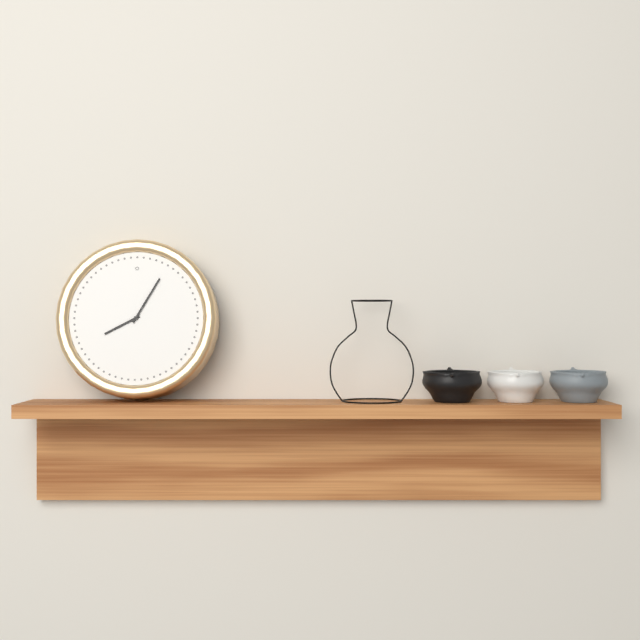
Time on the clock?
8:05
